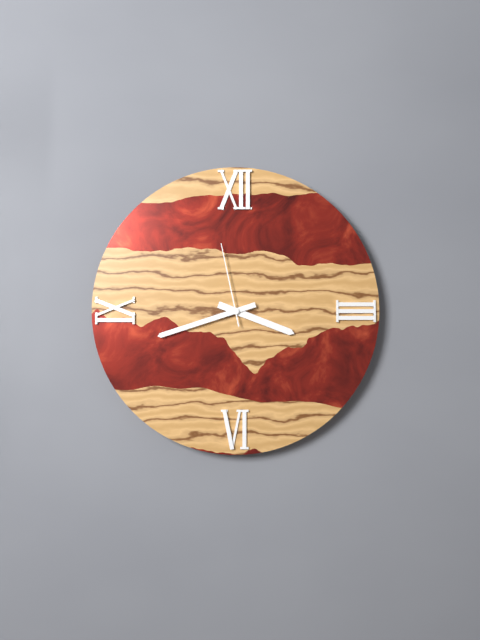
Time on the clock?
3:42:58
